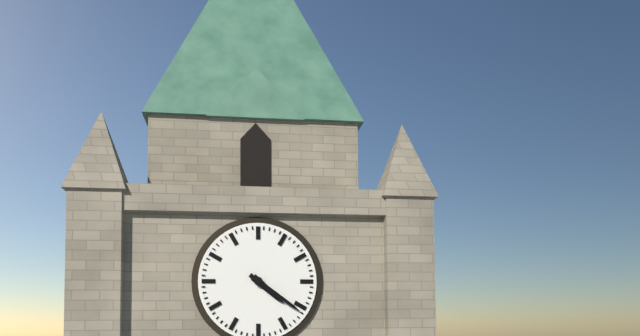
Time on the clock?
4:21
